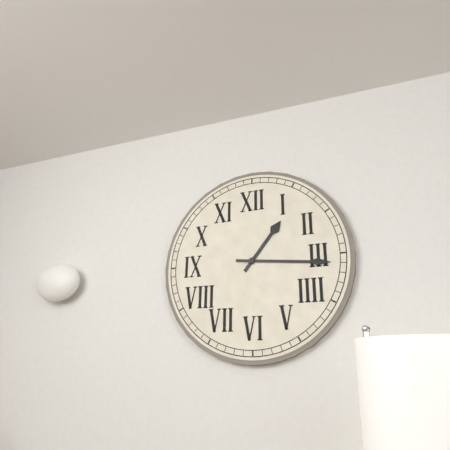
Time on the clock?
1:16
